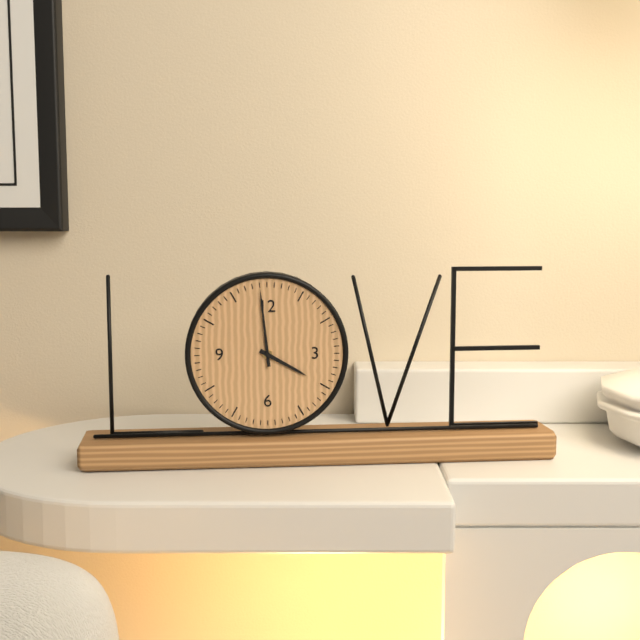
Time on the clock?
3:59
